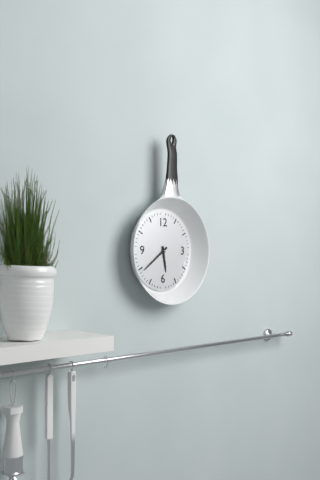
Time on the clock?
5:39
